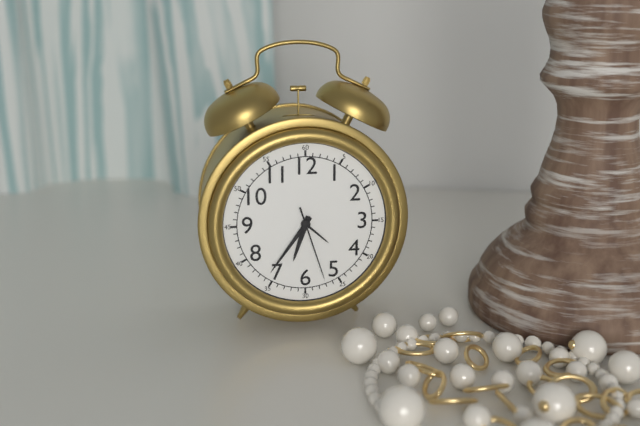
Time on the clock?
6:36:27
